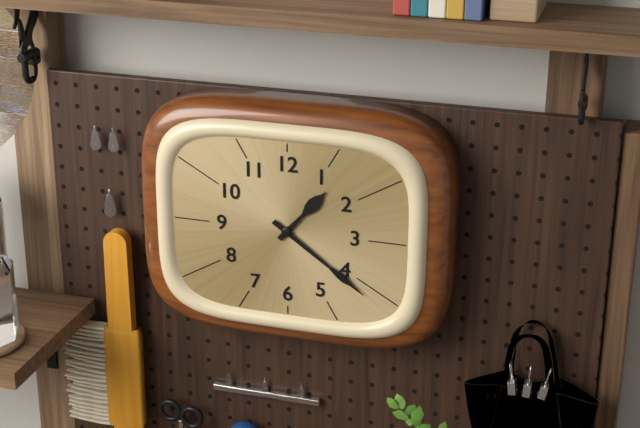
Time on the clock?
1:21
